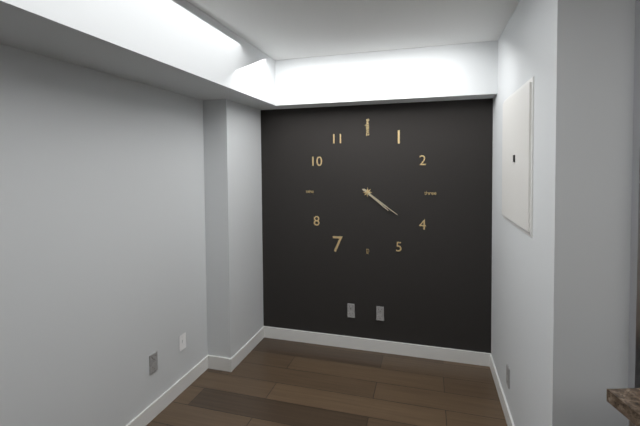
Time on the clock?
4:21
